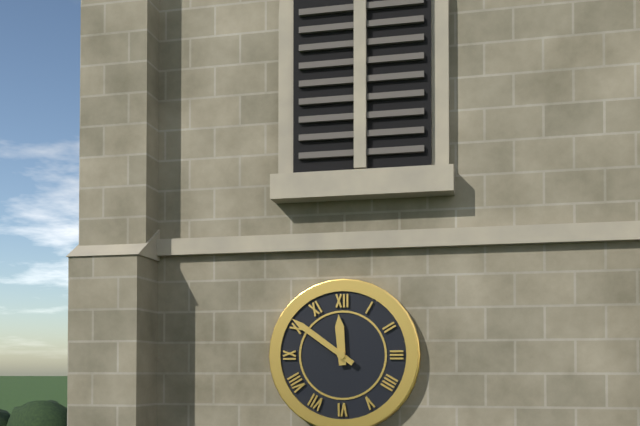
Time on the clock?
11:51
